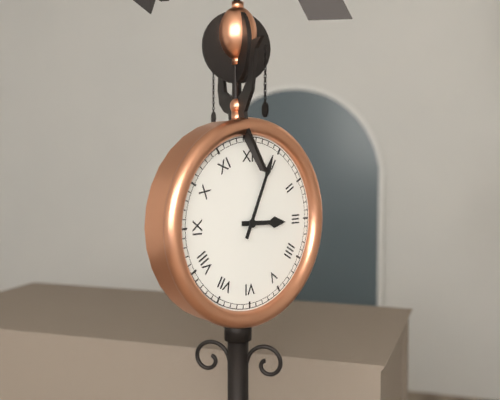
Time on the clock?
3:04
